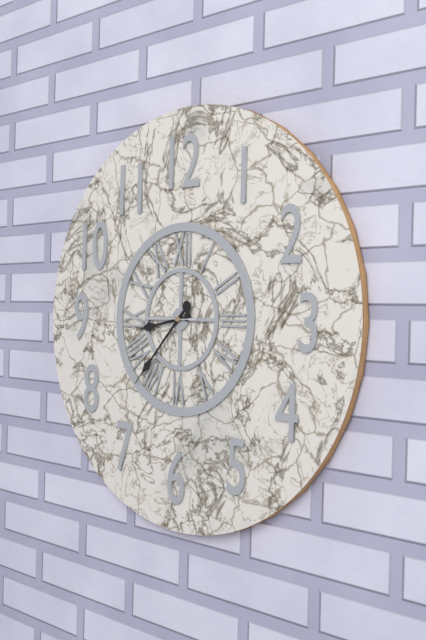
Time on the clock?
8:37:45
